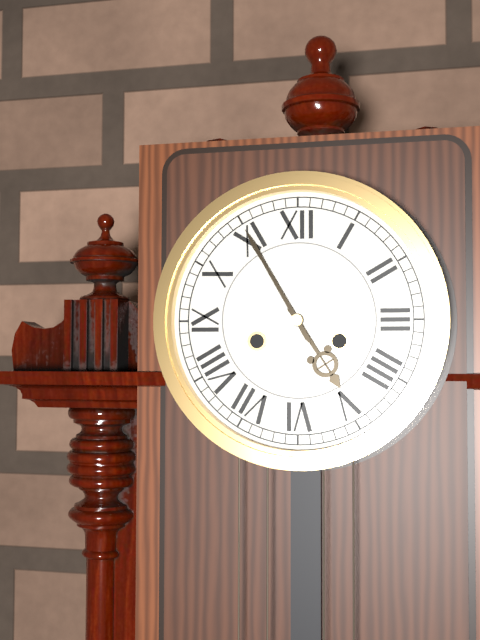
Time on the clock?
4:55
